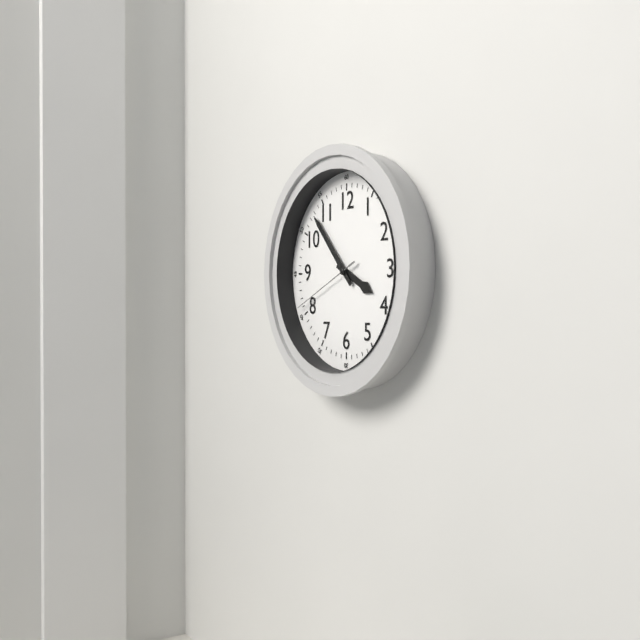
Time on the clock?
3:53:41
